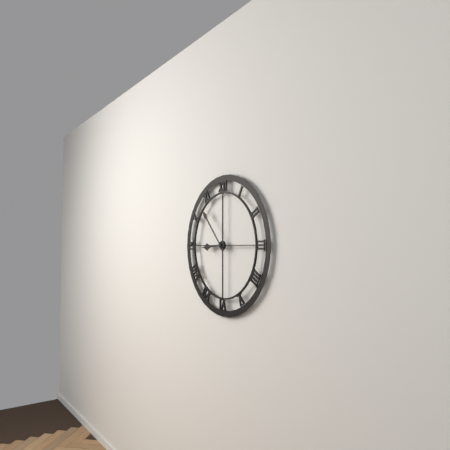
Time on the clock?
8:53
